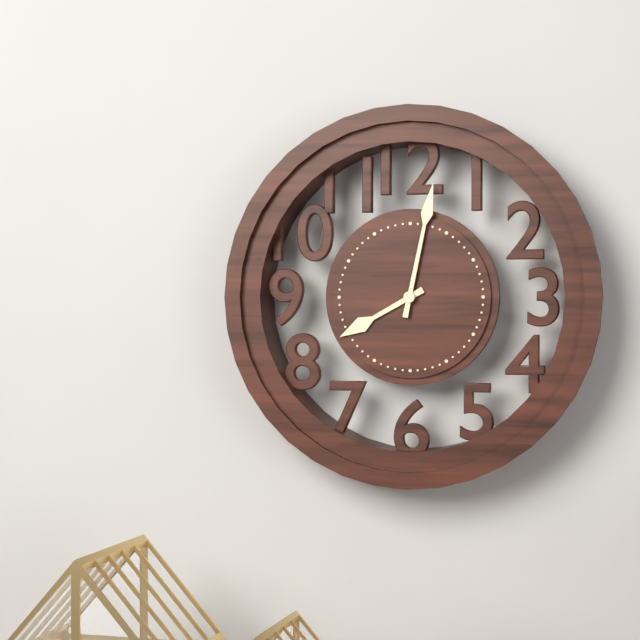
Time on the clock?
8:02
